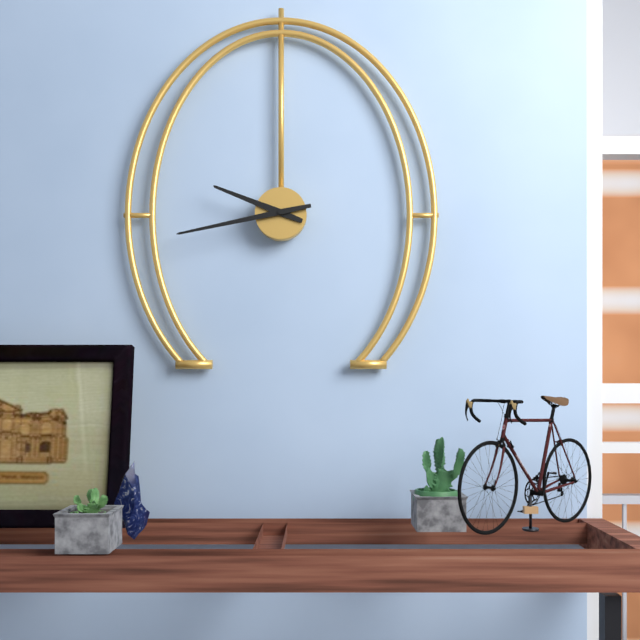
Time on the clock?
9:43
